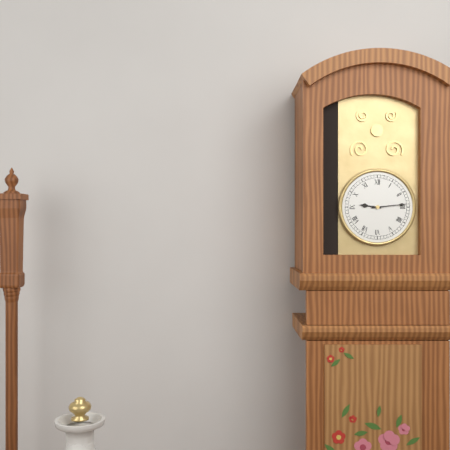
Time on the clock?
9:14
